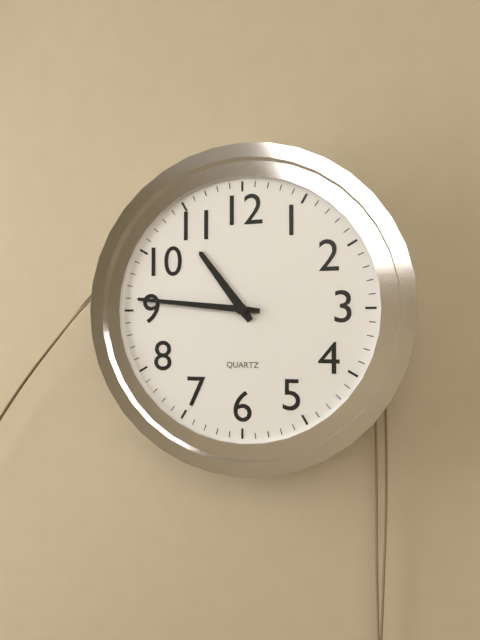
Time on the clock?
10:46
